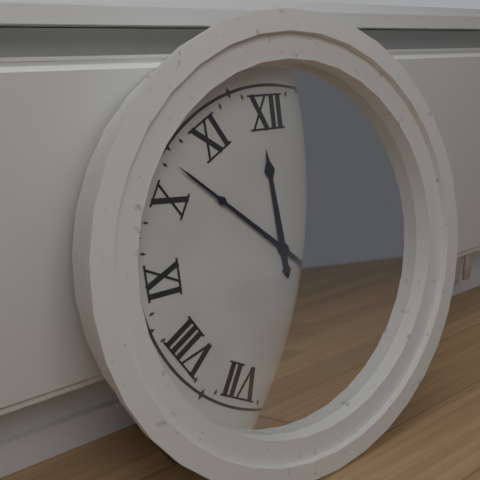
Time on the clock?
11:52
